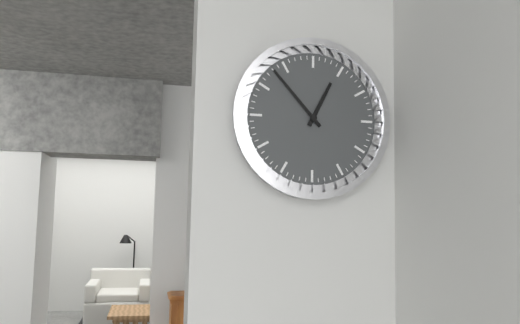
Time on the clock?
12:53
